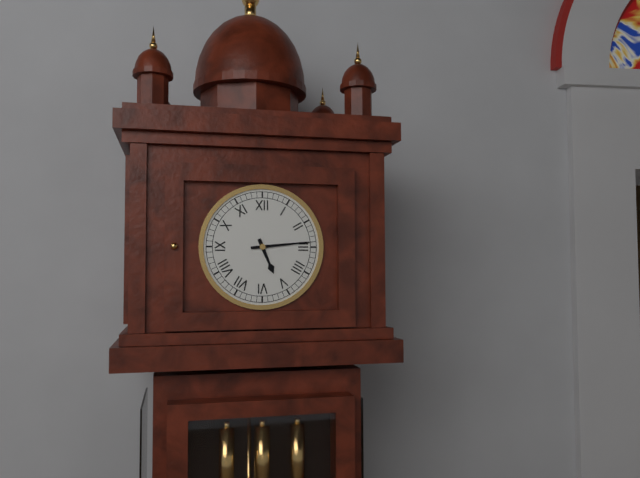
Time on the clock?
5:14
